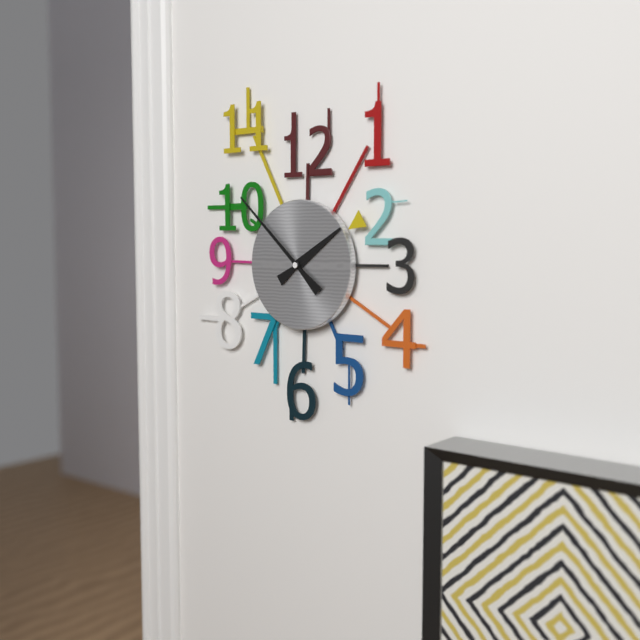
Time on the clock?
1:52
